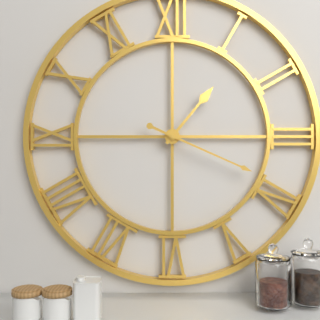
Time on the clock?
1:19
